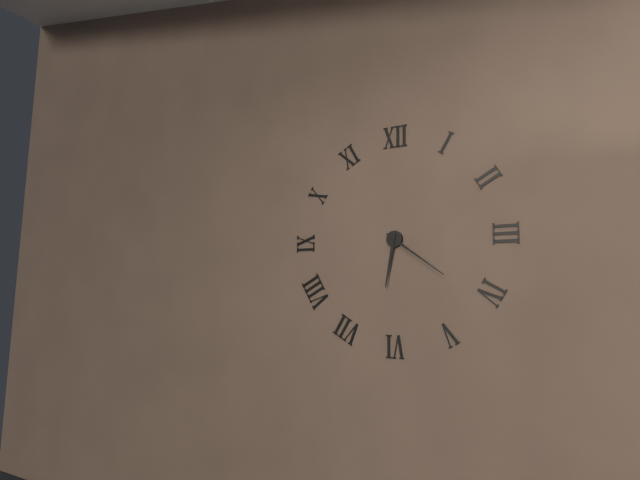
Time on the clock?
6:21
